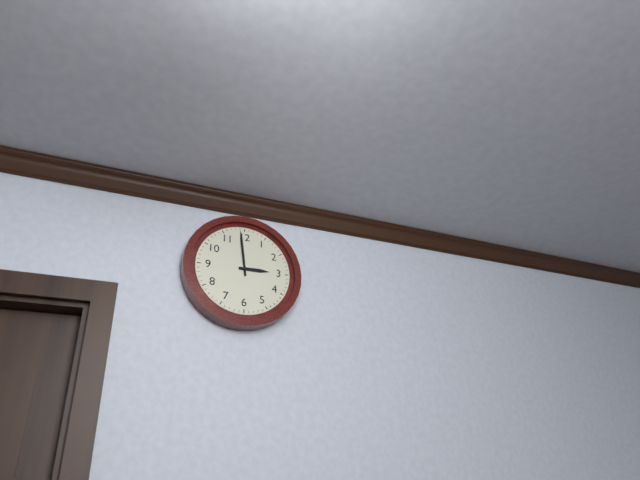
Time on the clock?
2:59
